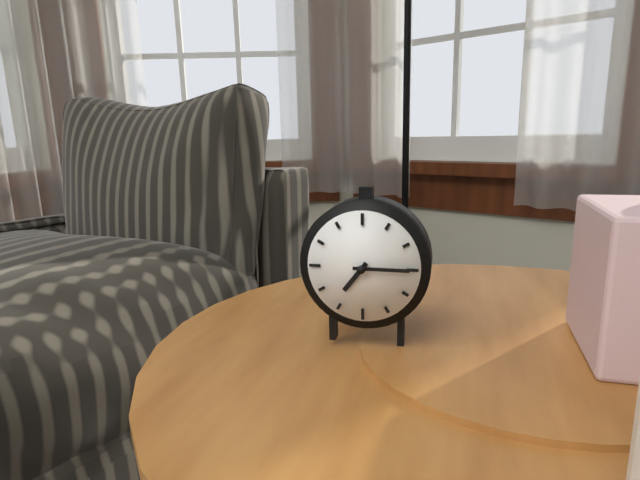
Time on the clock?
7:15
